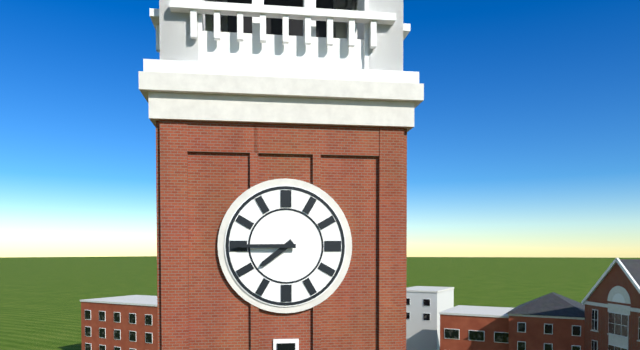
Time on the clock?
7:45
